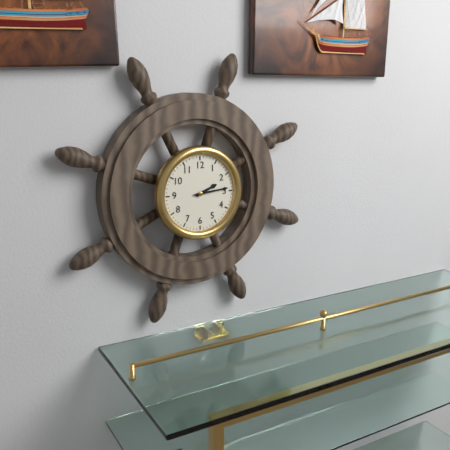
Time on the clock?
2:14
